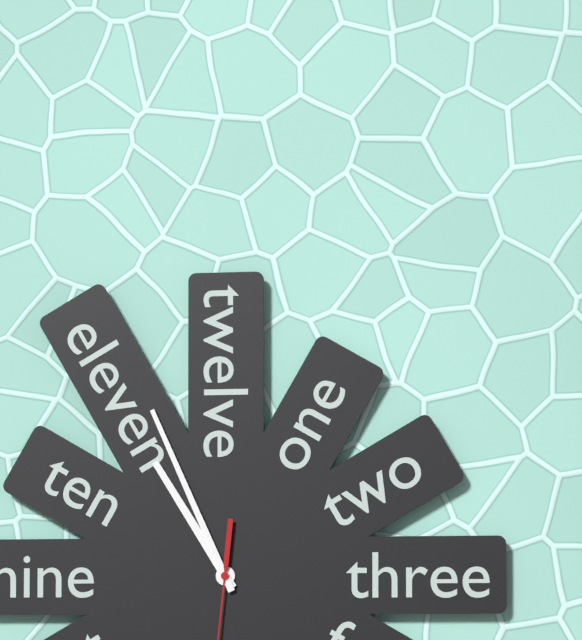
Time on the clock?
10:56
